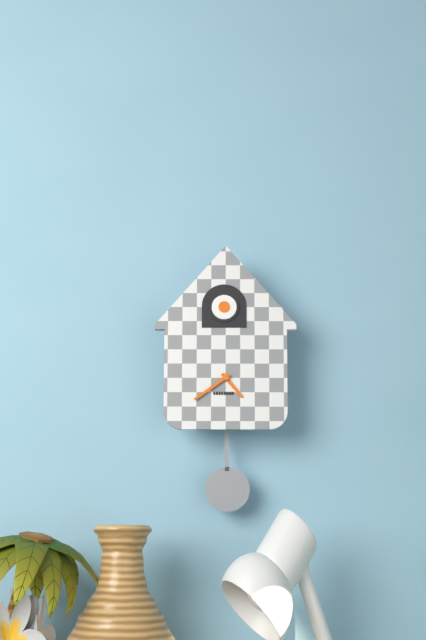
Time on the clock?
4:39
